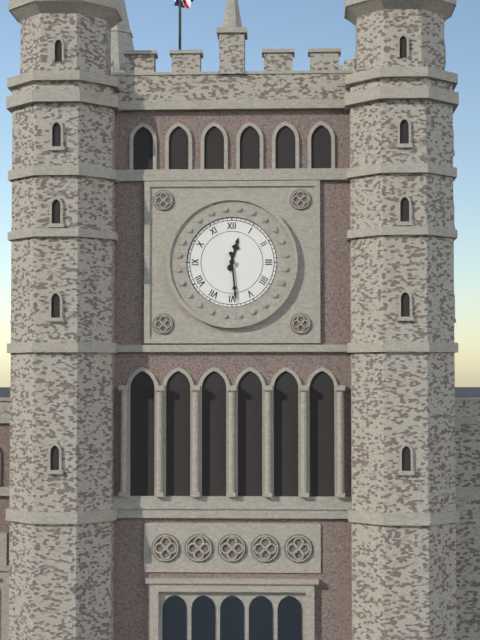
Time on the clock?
12:29
